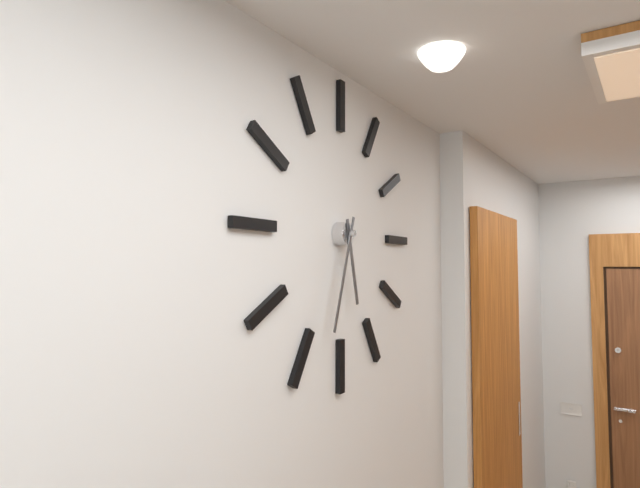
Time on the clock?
5:33
